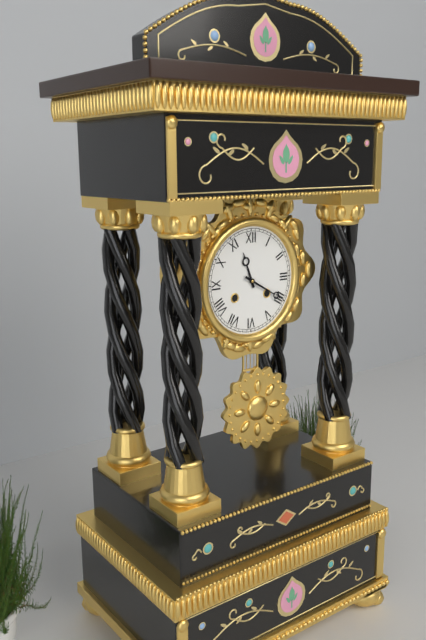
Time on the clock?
11:20
